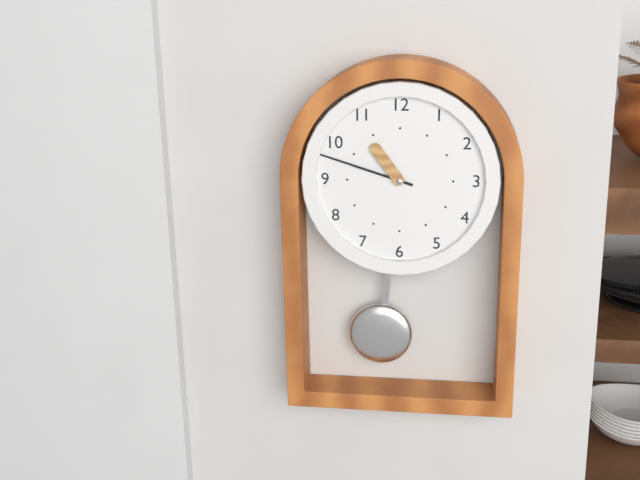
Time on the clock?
10:48
